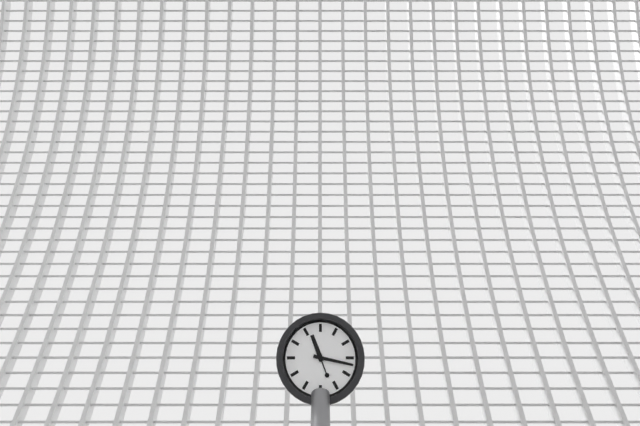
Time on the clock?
11:17
